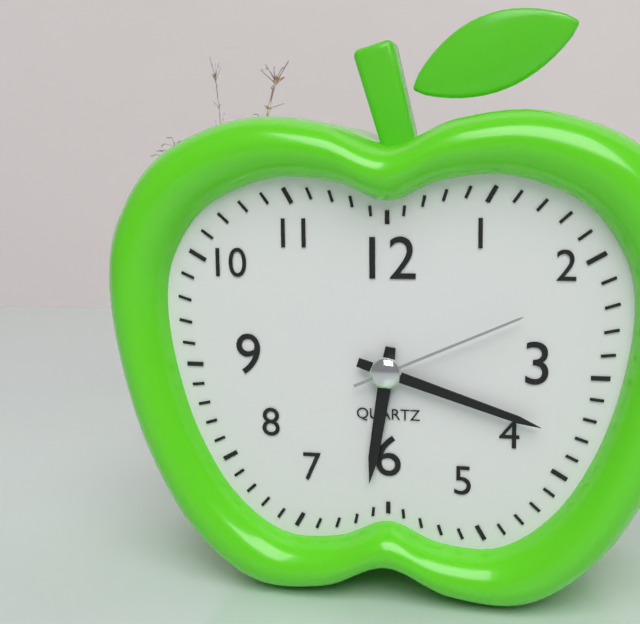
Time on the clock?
6:18:11
